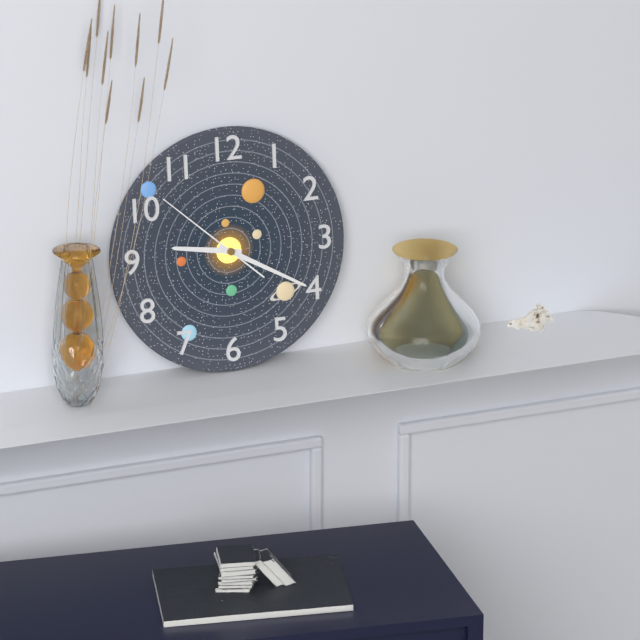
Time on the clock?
9:20:52
